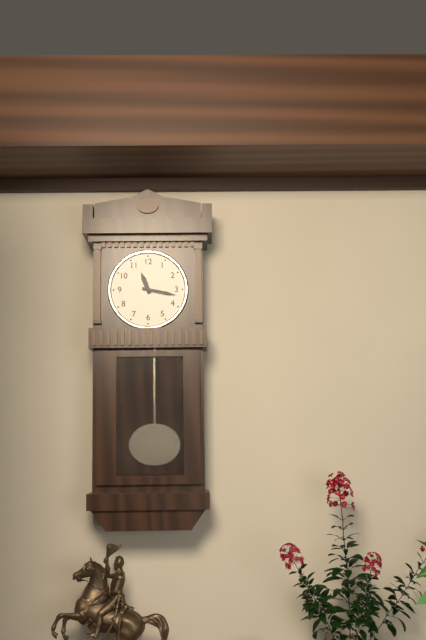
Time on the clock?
11:17
